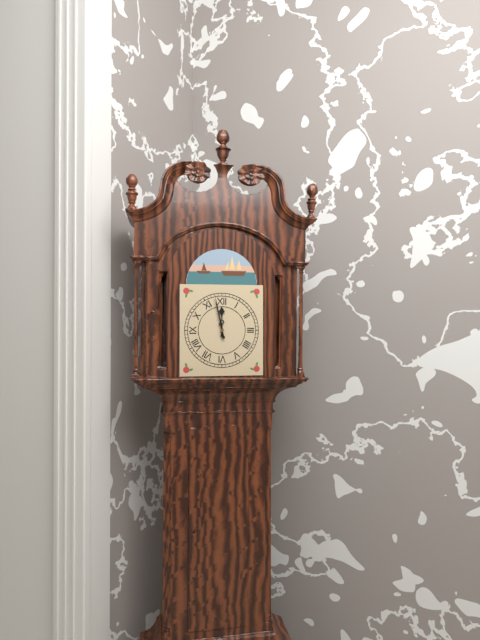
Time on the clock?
11:58
